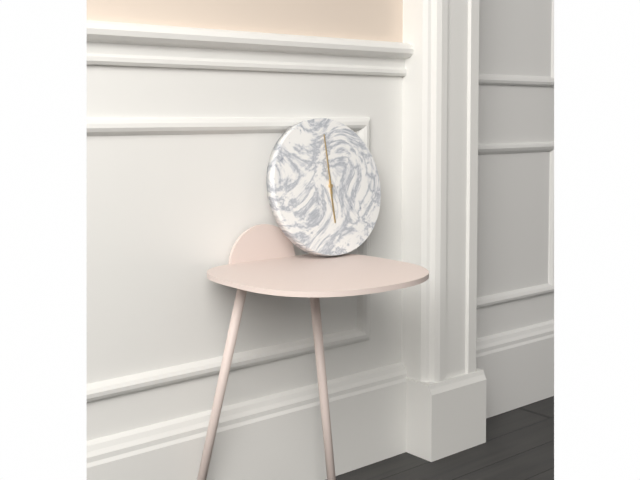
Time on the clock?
6:00
